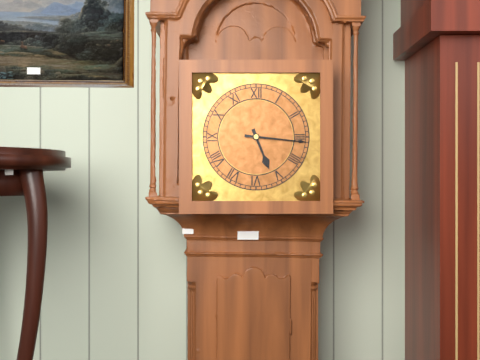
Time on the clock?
5:16
